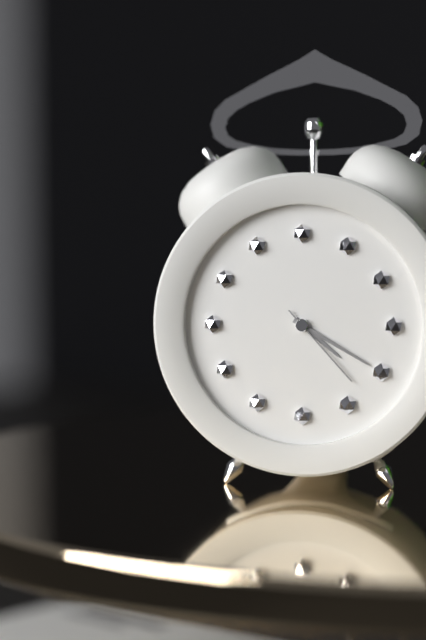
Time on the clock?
4:20:23
